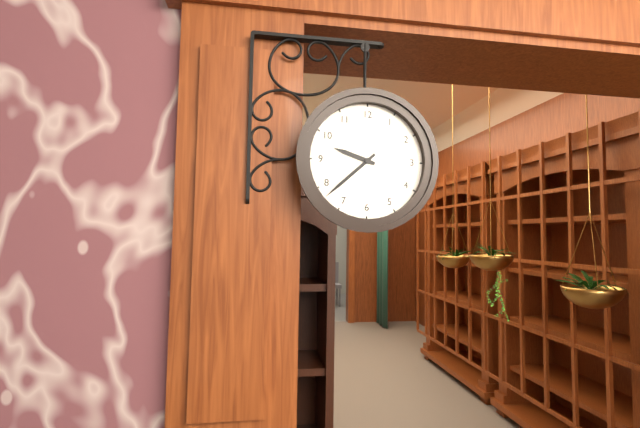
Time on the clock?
9:38
